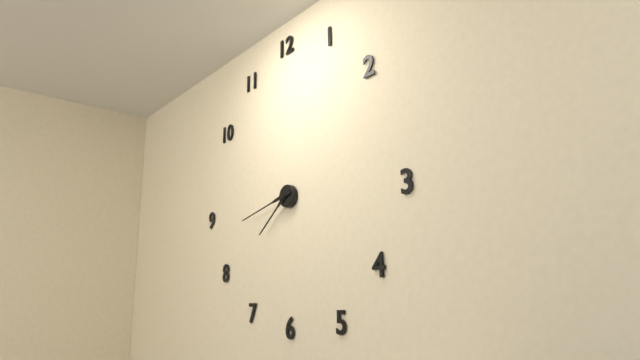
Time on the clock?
7:43
